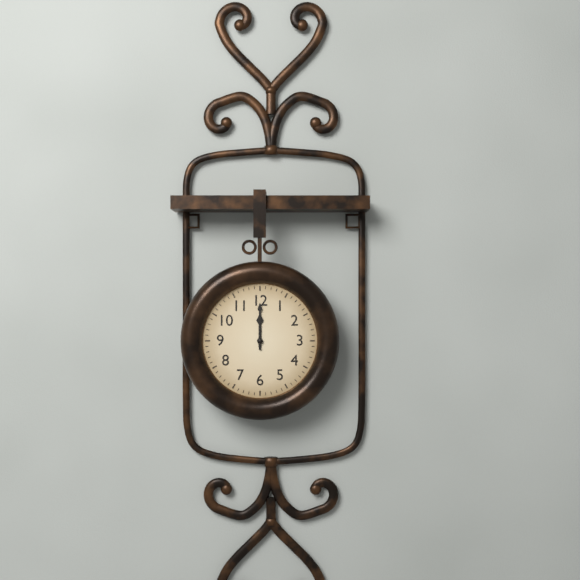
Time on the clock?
12:00
